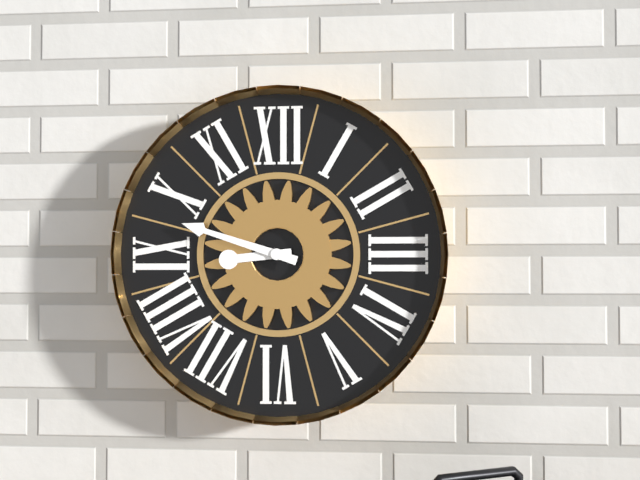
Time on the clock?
8:48
